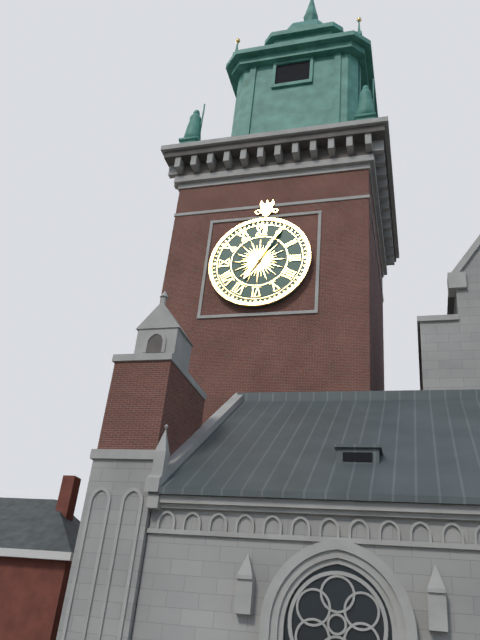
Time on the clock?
7:05
